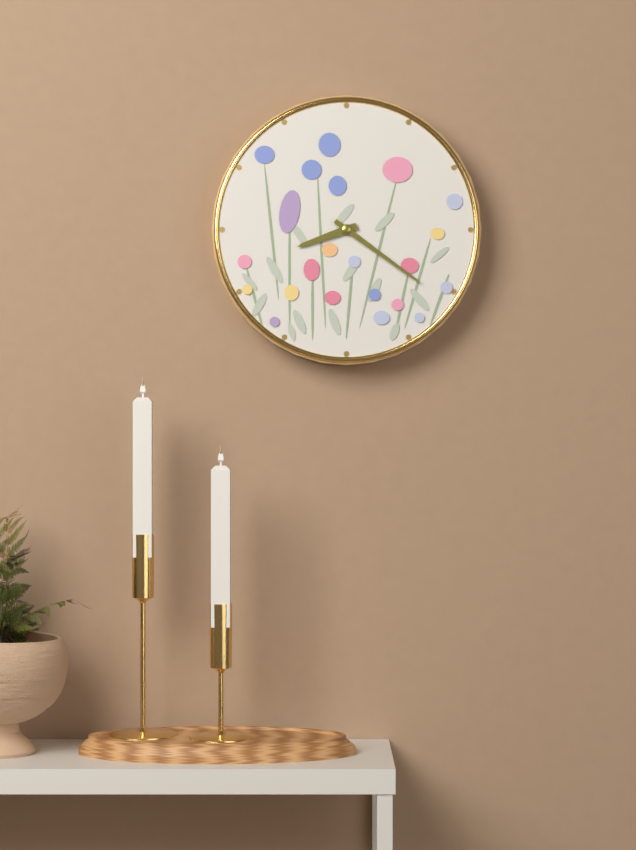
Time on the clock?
8:21
